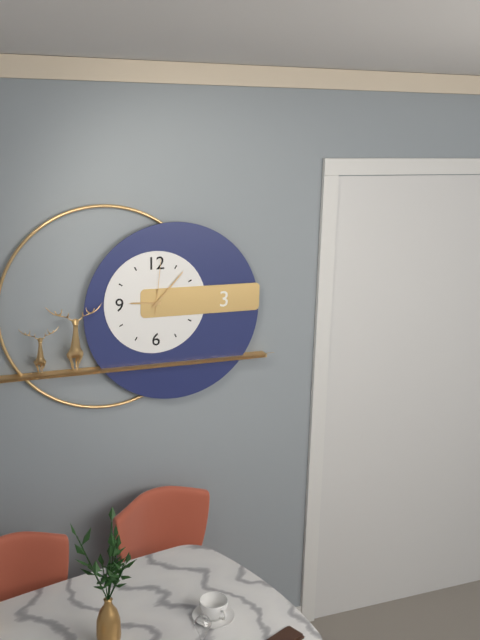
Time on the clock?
9:07:01
